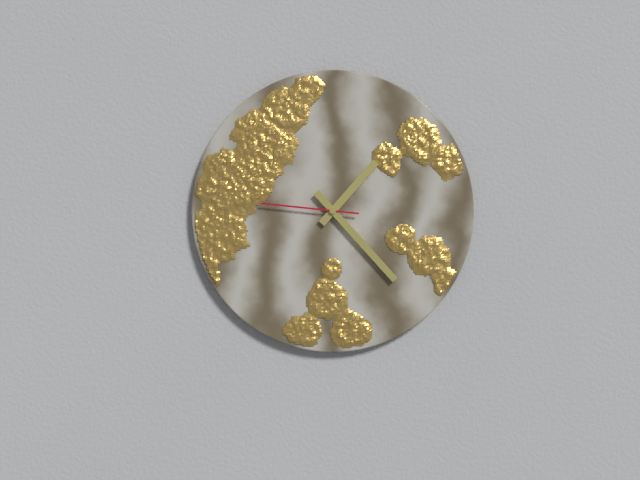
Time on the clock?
1:23:46
